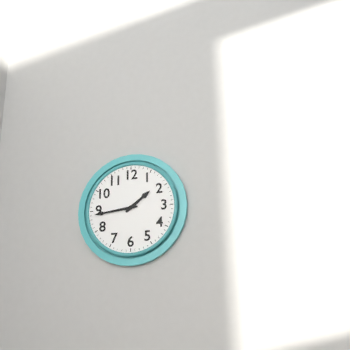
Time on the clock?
1:44
